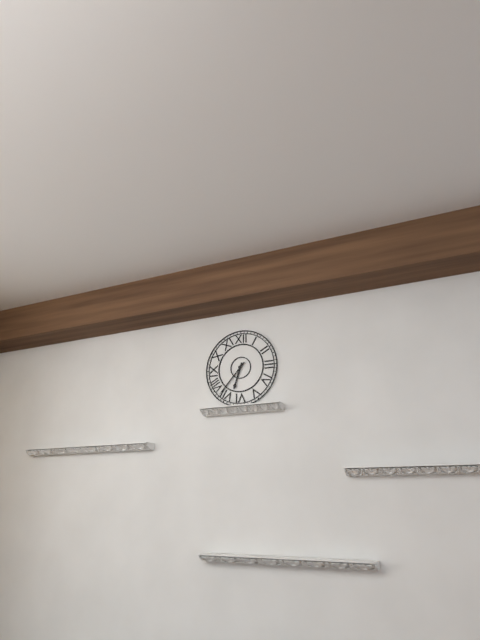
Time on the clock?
6:37
